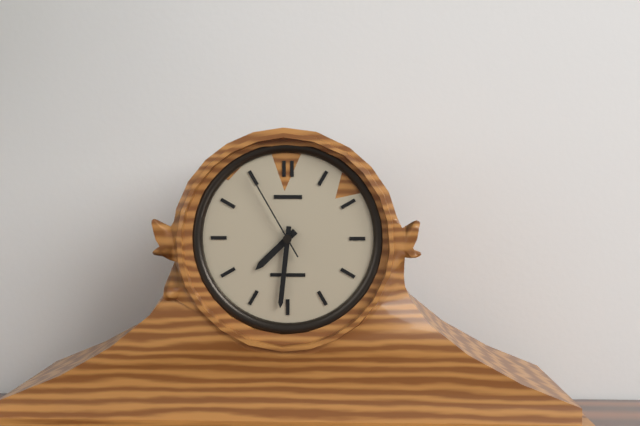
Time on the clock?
7:31:55
